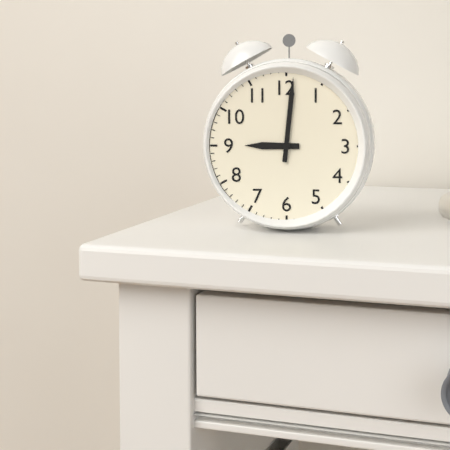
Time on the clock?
9:01
